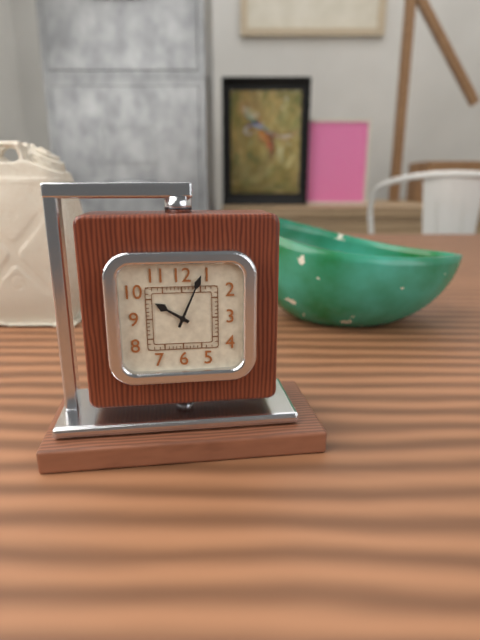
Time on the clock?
10:04
